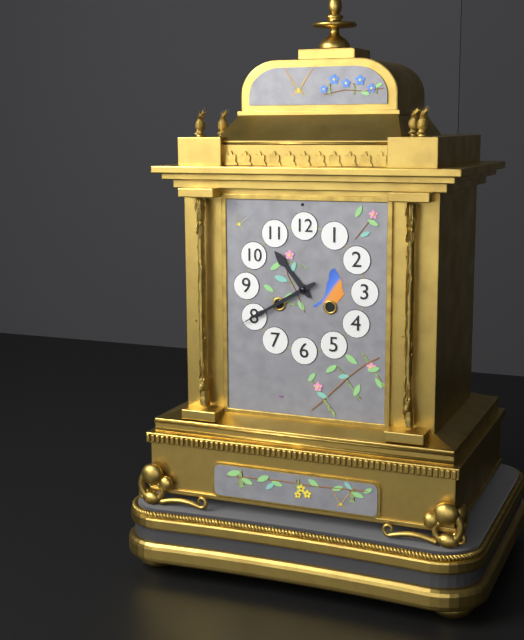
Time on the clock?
10:40
